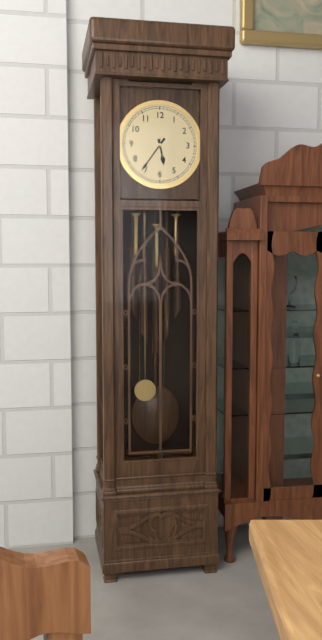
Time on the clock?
5:36
